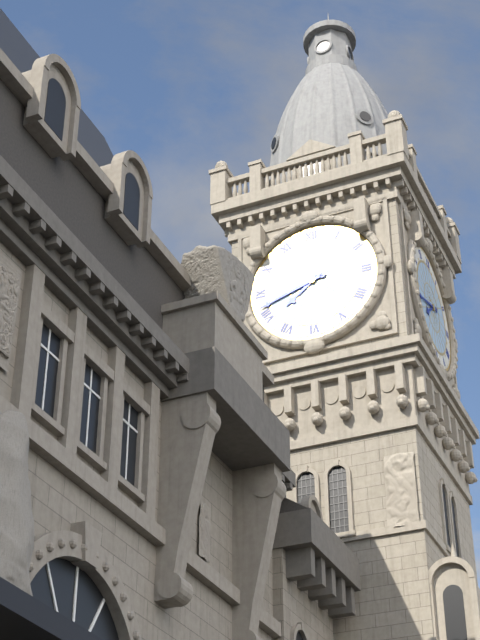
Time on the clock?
7:42
